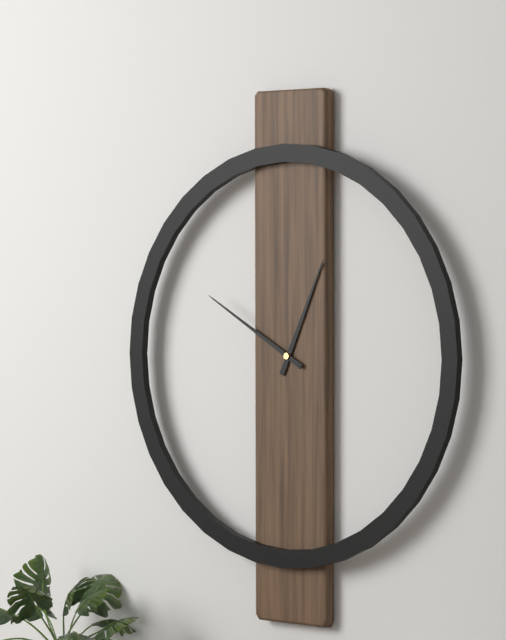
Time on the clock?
12:50
